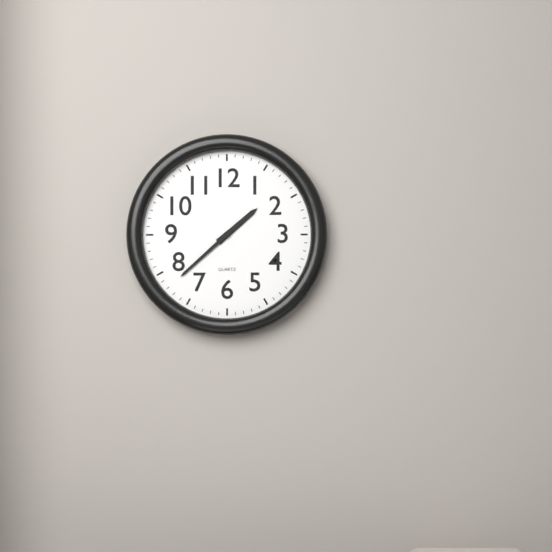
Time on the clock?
1:38
